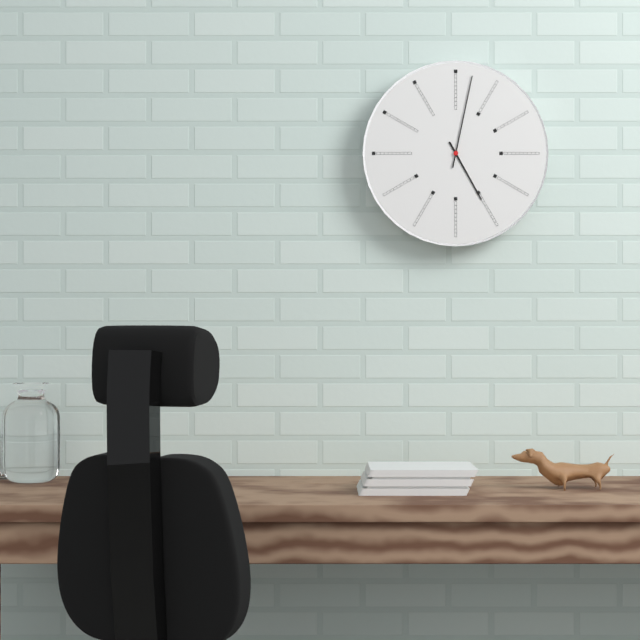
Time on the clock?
5:02
